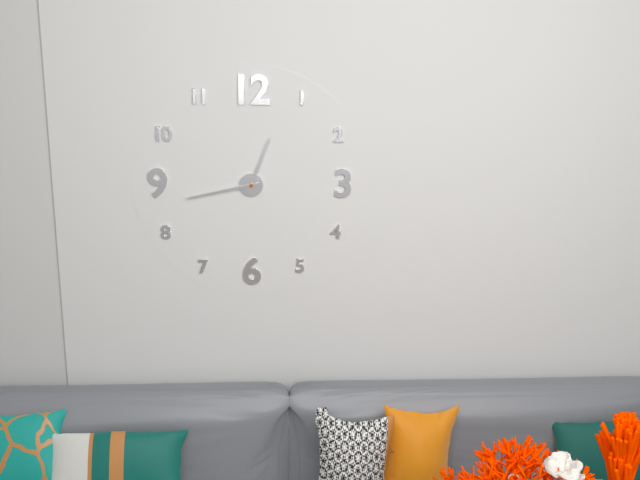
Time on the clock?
12:43
